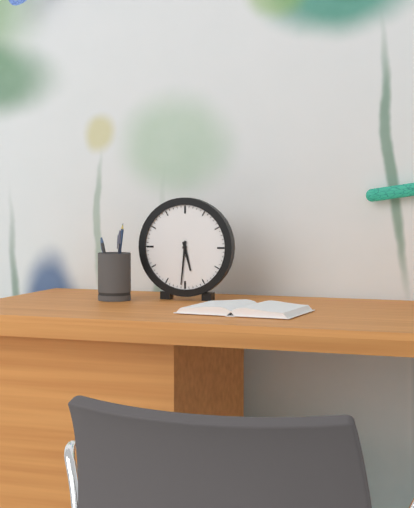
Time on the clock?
5:31
